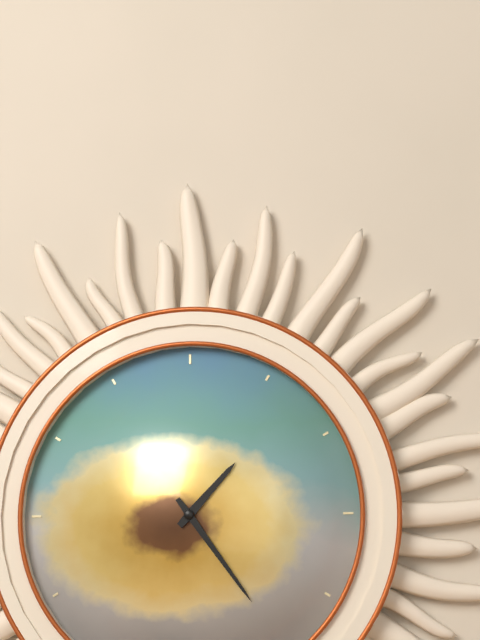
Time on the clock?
1:24
